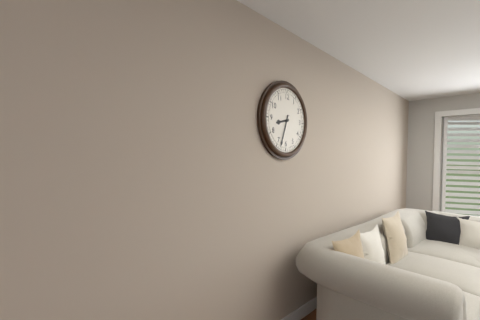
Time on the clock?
8:33
